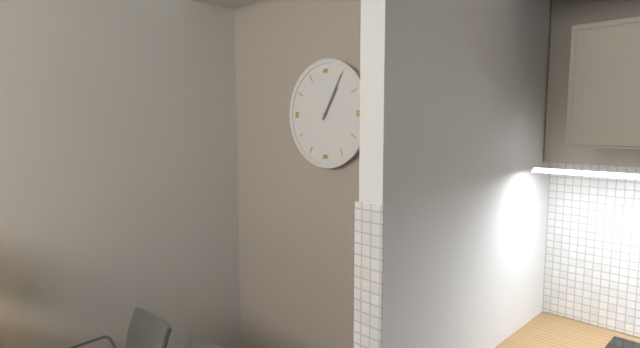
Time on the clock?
1:05
